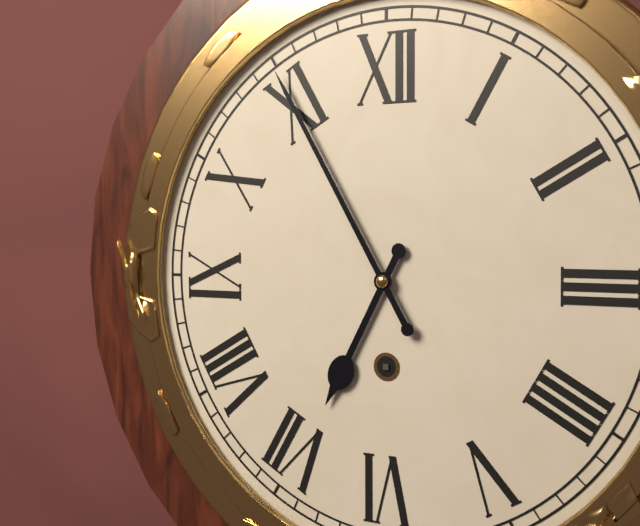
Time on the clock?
6:55
